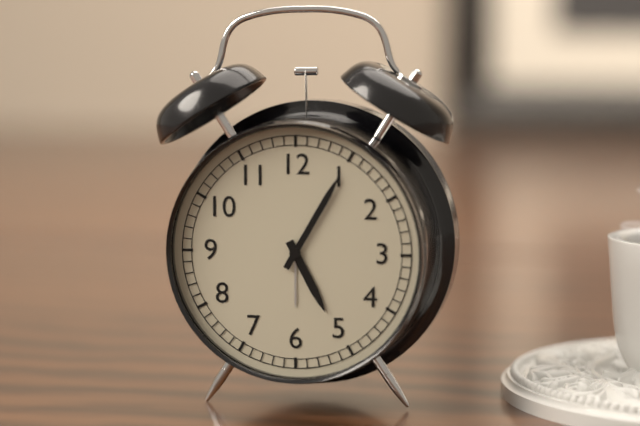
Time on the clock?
5:05
